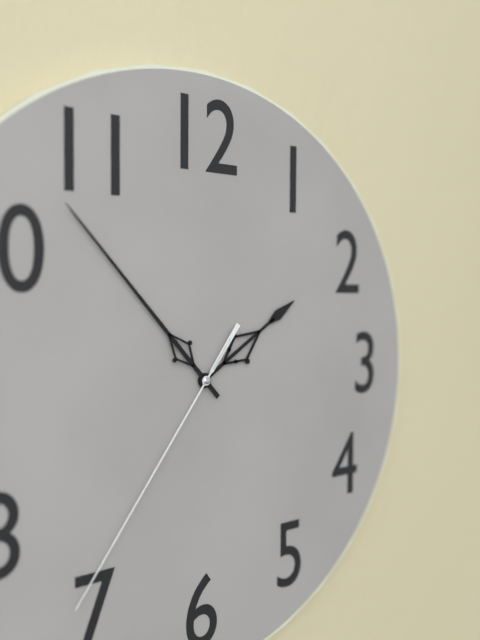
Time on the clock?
1:53:36
